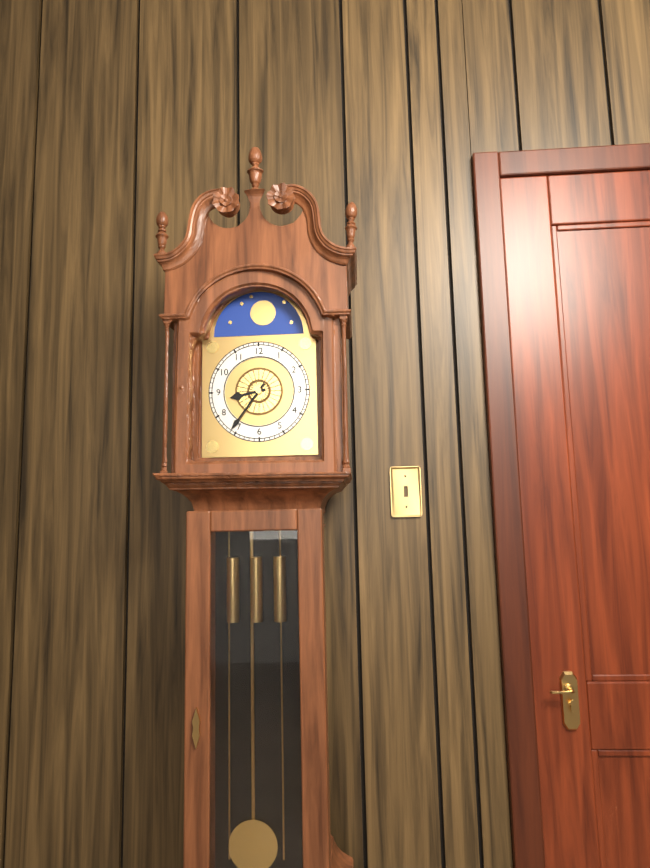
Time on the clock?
8:36
